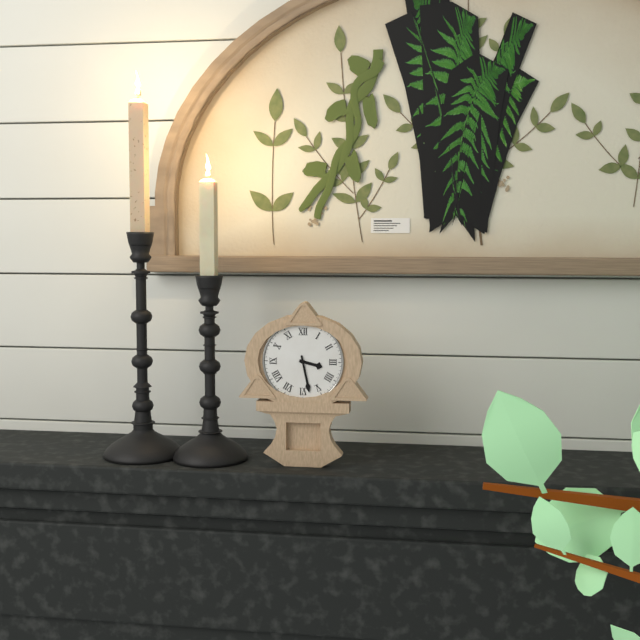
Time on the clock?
3:28
